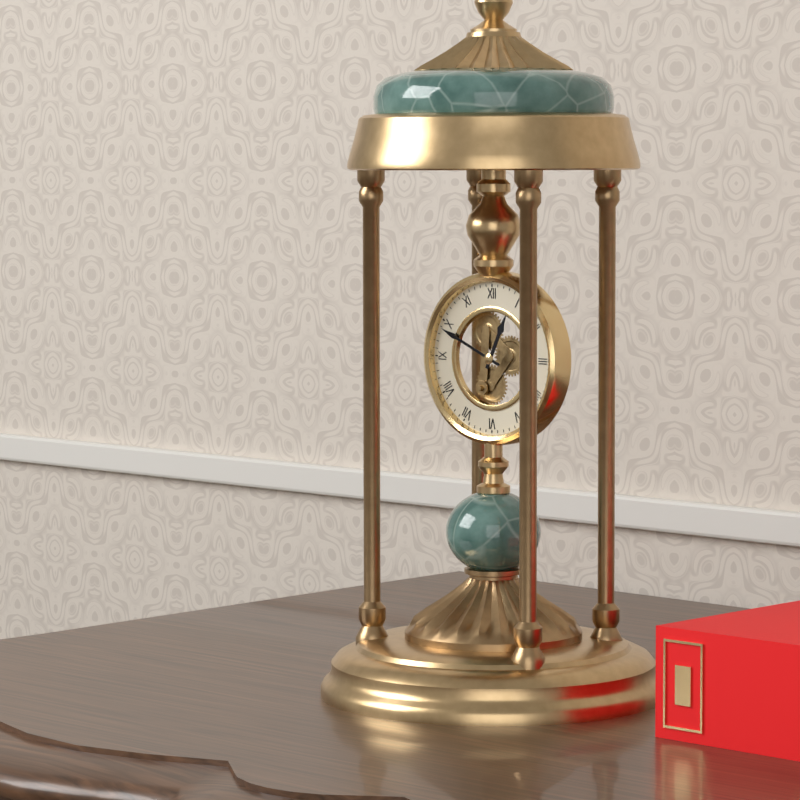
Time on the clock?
12:49
